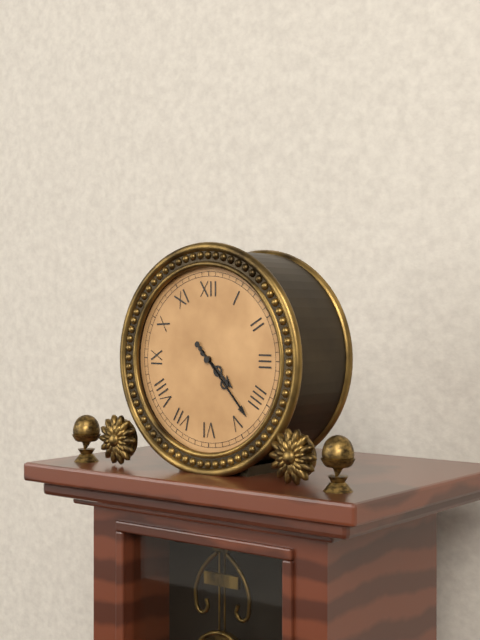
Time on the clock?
4:23:23
